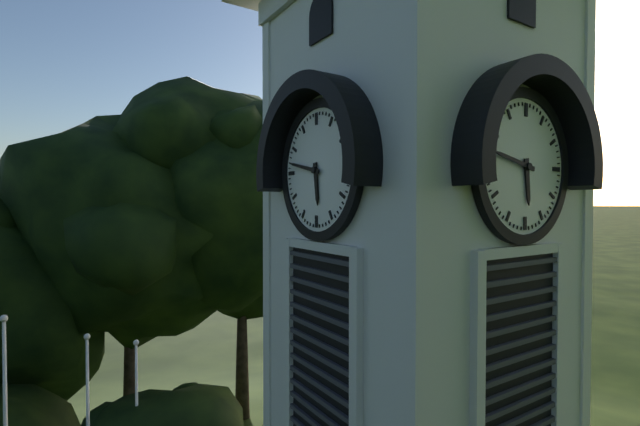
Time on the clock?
5:47
